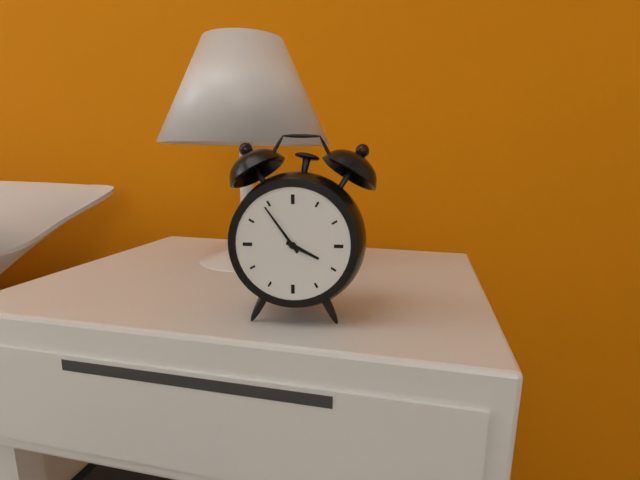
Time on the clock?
3:54
